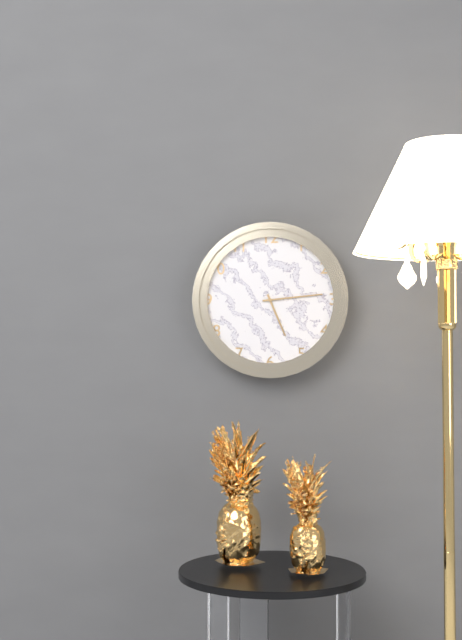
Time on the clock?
5:14
